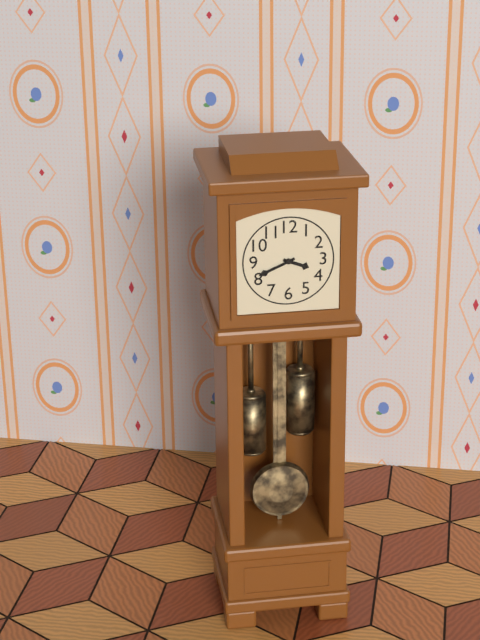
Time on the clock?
3:41
